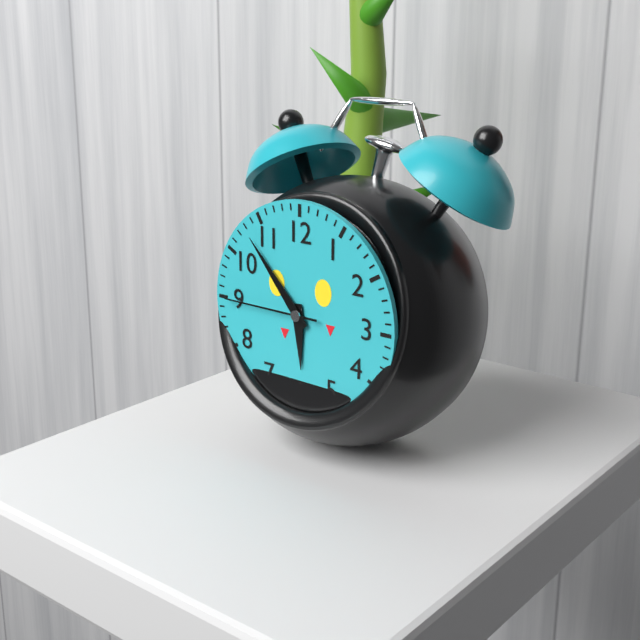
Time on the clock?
5:53:45
